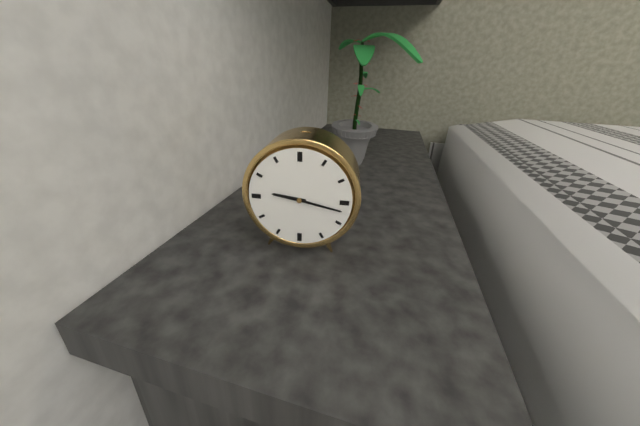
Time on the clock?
9:17
